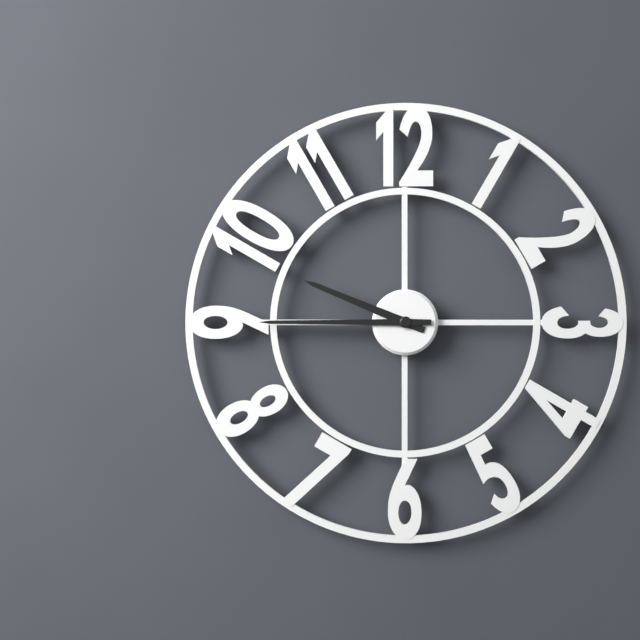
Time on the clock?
9:45
